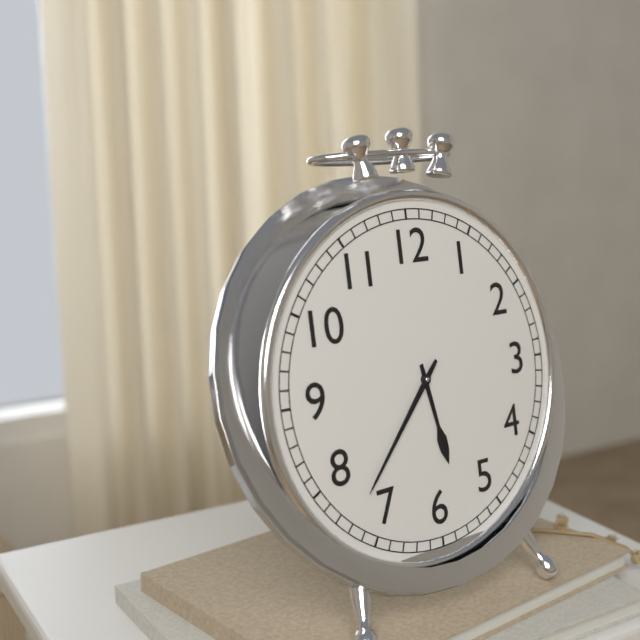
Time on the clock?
5:37
